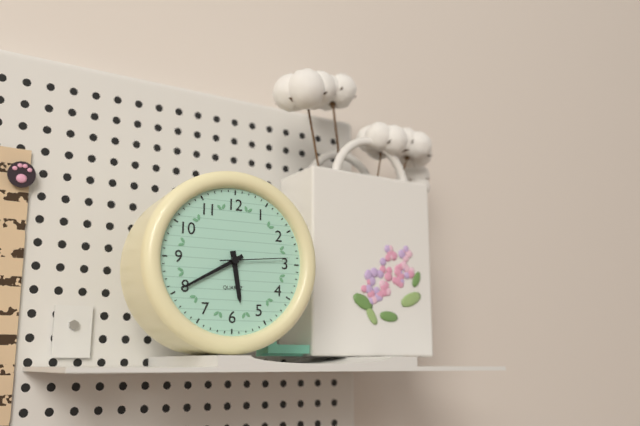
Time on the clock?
5:40:14
